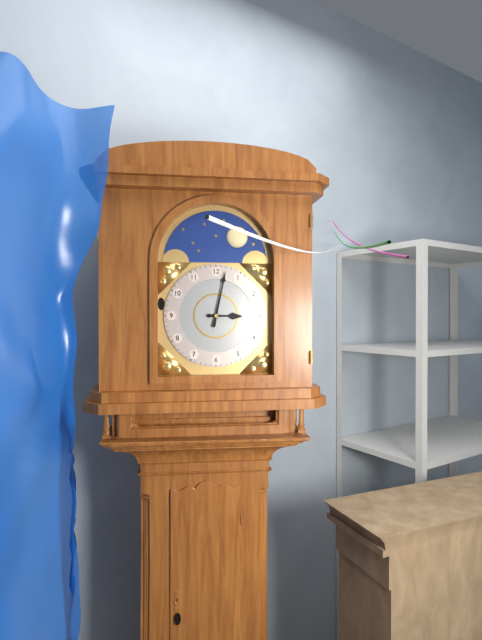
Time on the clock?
3:02
